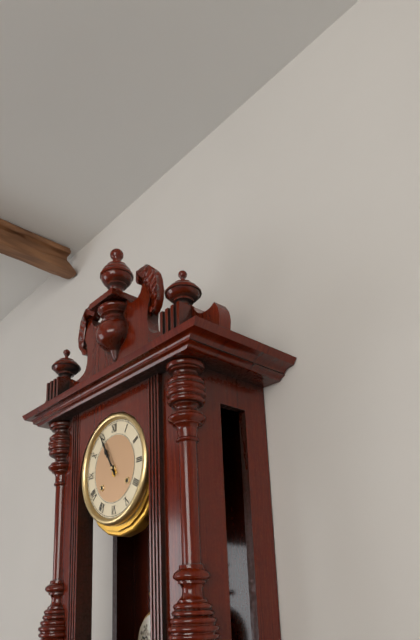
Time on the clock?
10:55
